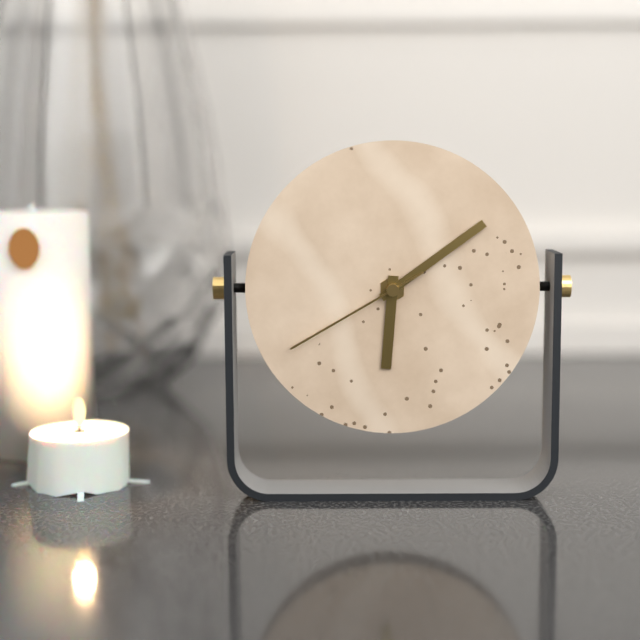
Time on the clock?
6:09:40
